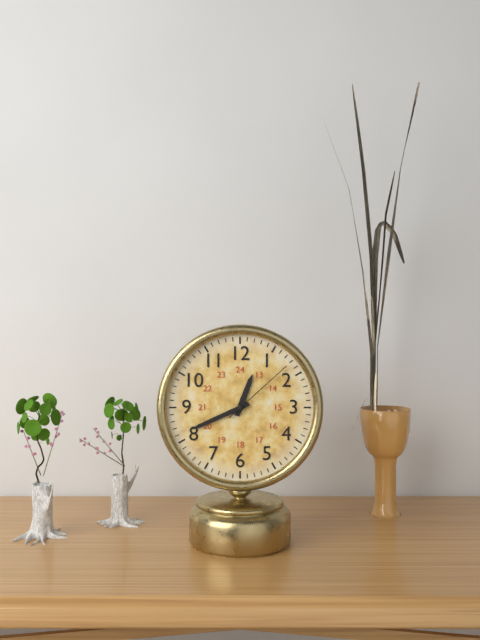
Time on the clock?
12:41:08
